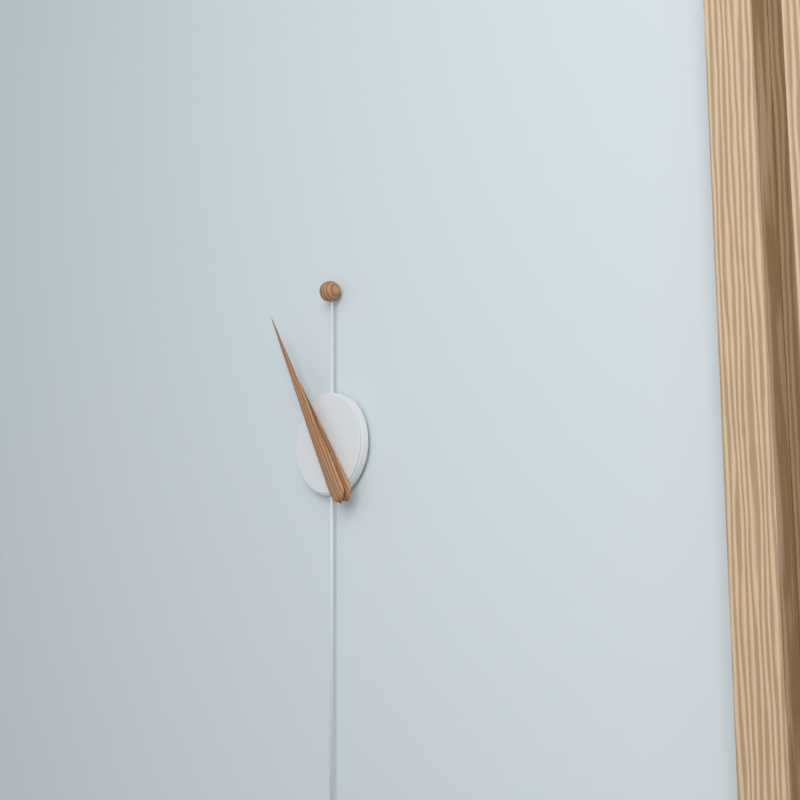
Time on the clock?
10:55
